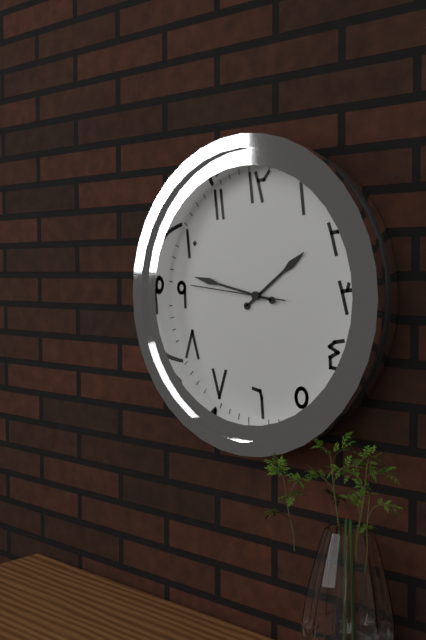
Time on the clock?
1:47:46
